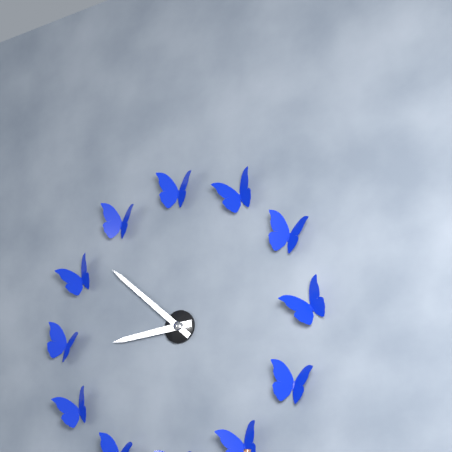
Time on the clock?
8:52
